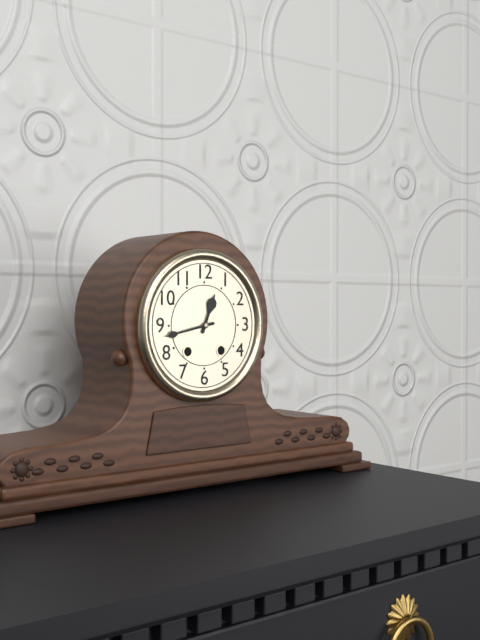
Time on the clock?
12:43
